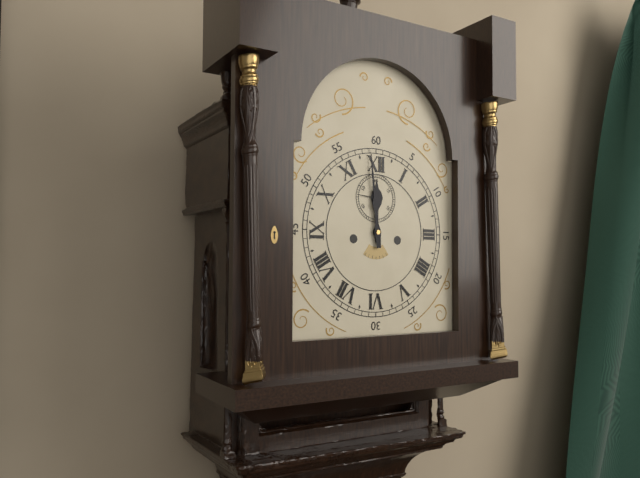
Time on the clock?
11:59
